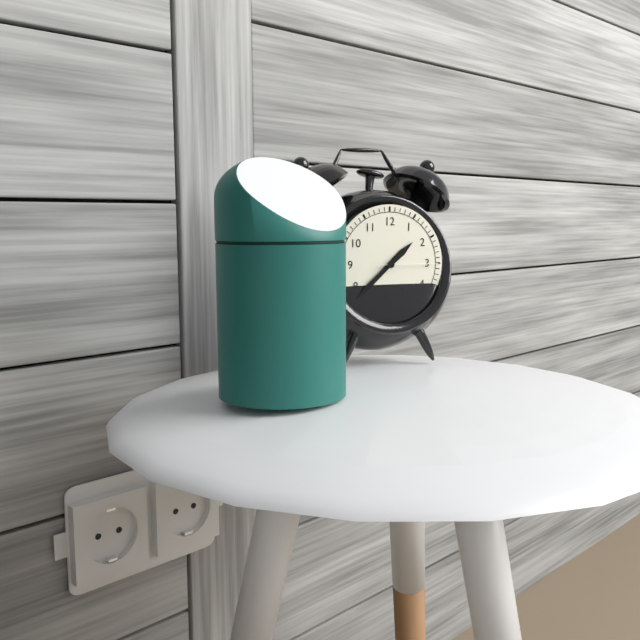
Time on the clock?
1:38:15
